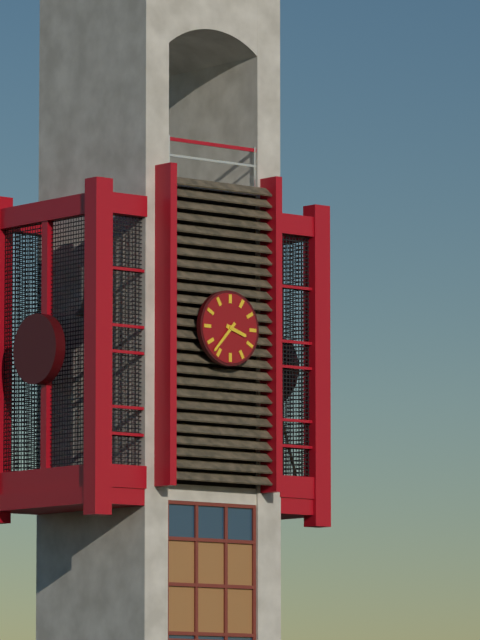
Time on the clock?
3:37
